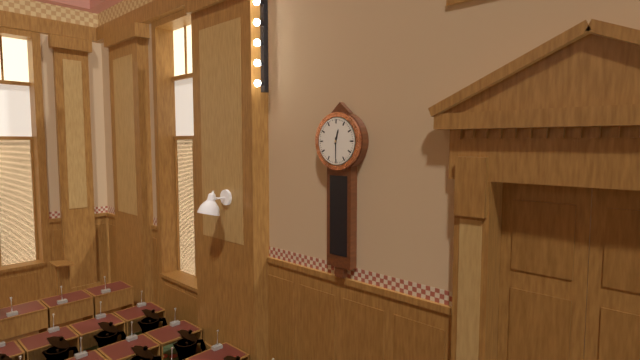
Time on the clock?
12:30
